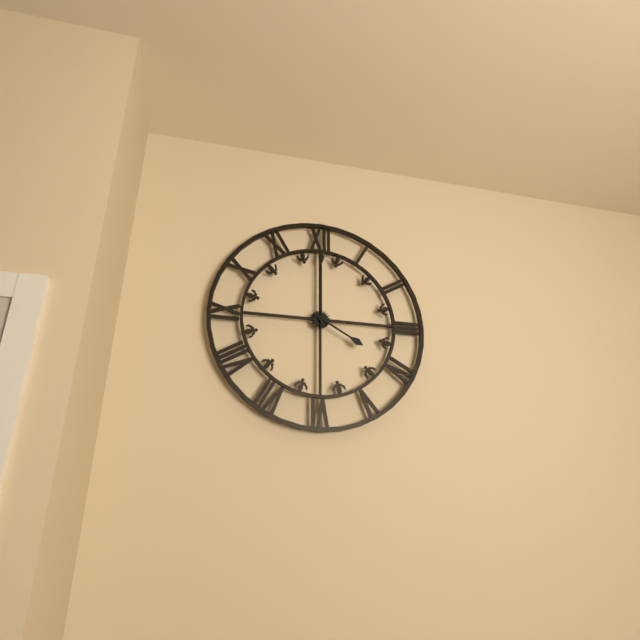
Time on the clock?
4:00
